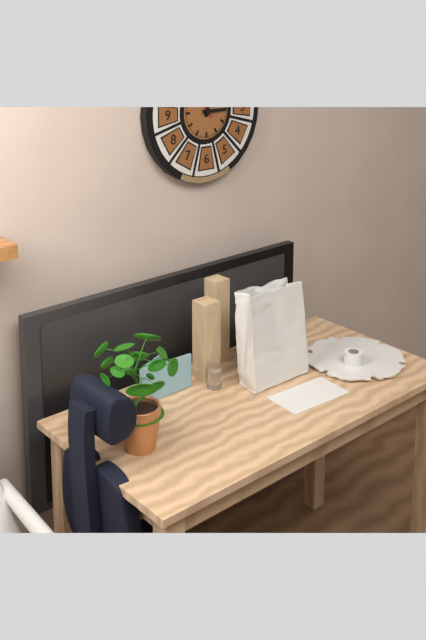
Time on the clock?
12:15
